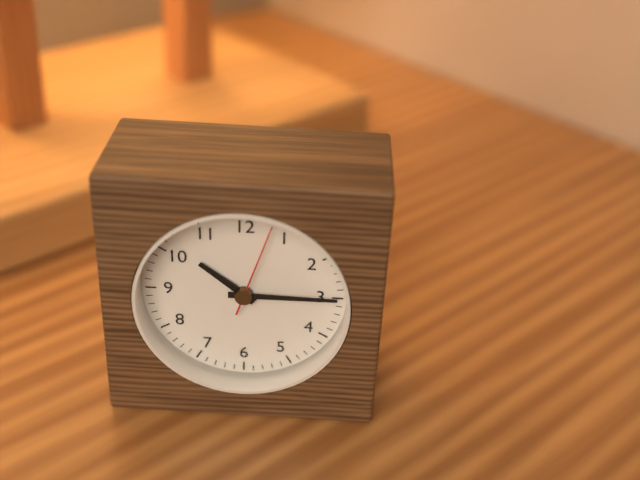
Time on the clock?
10:15:03
